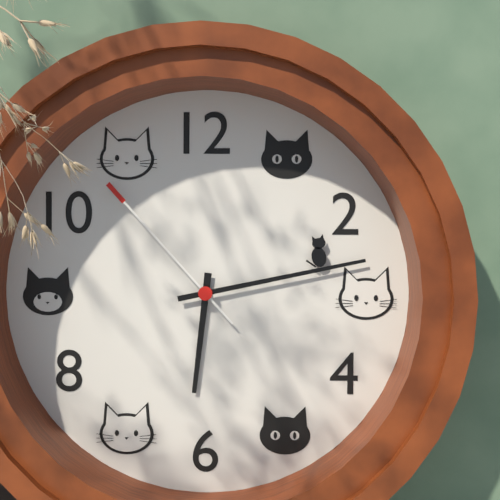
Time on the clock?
6:13:53
